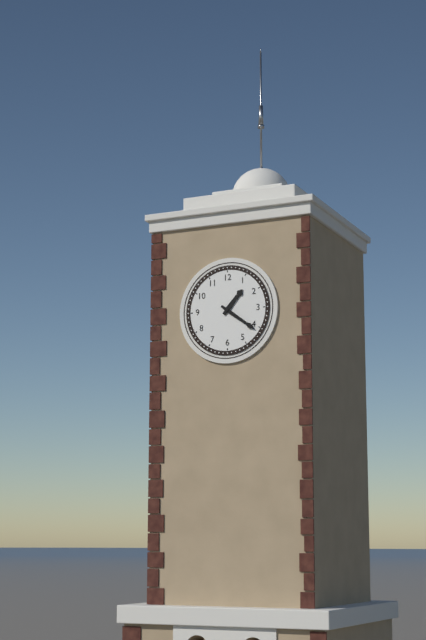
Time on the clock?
1:21
